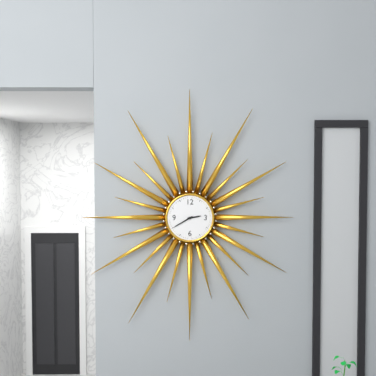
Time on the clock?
2:40
